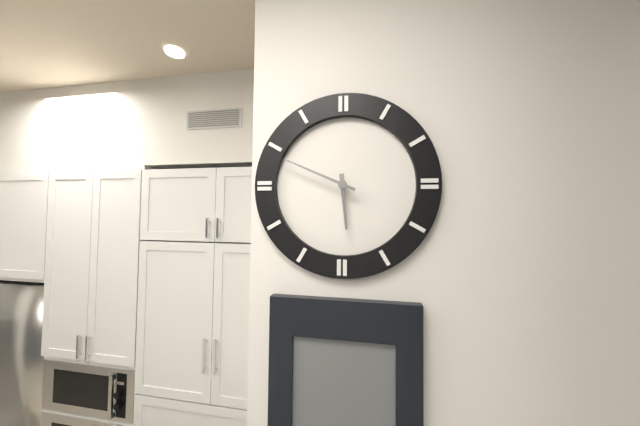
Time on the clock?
5:49
